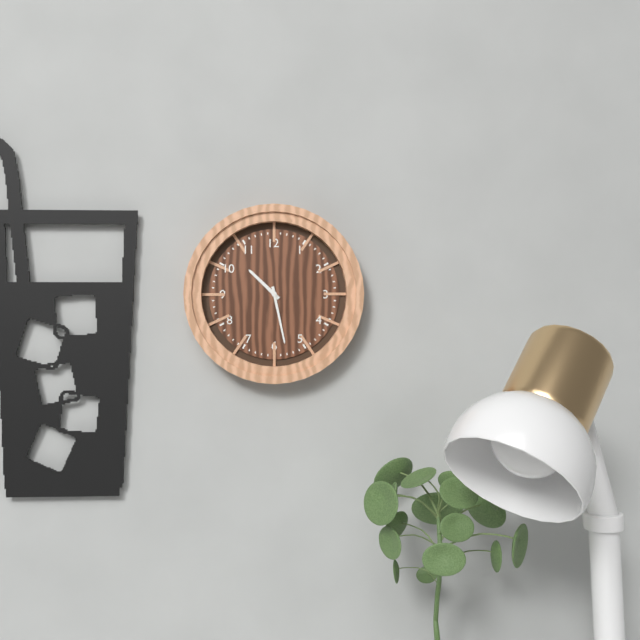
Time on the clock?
10:28
